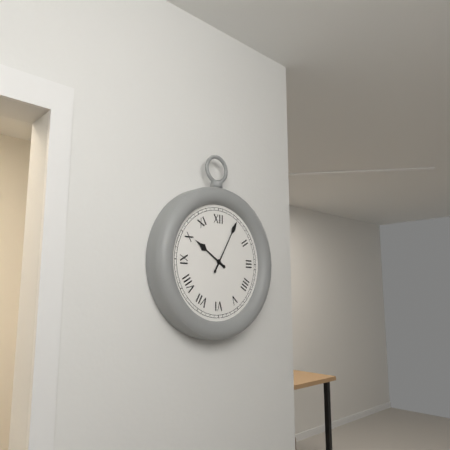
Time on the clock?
10:05
